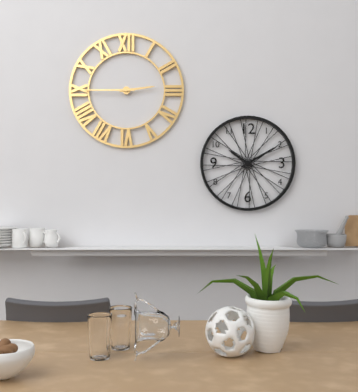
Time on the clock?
2:45
